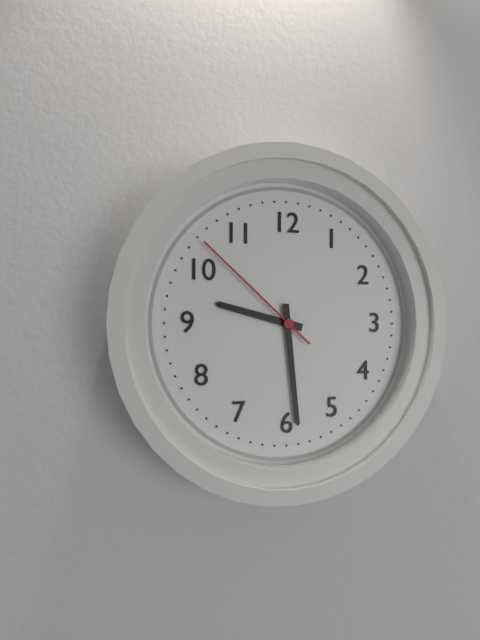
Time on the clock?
9:29:52
